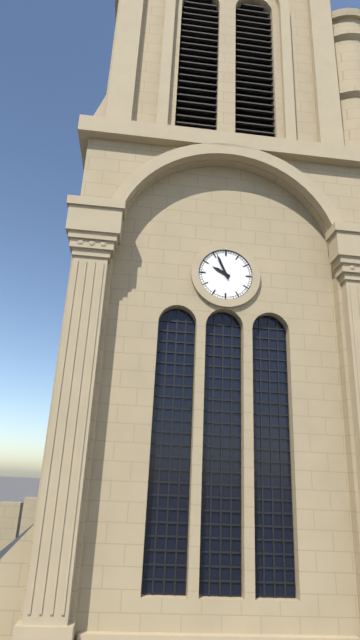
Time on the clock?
9:56
